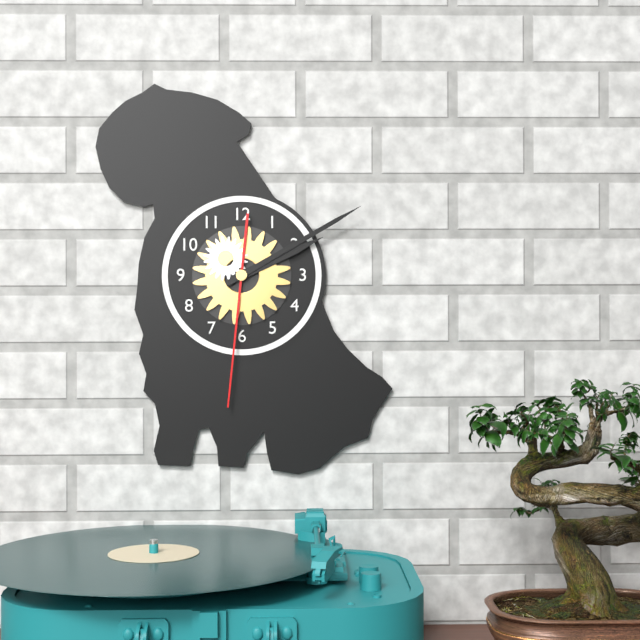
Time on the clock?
2:10:31
